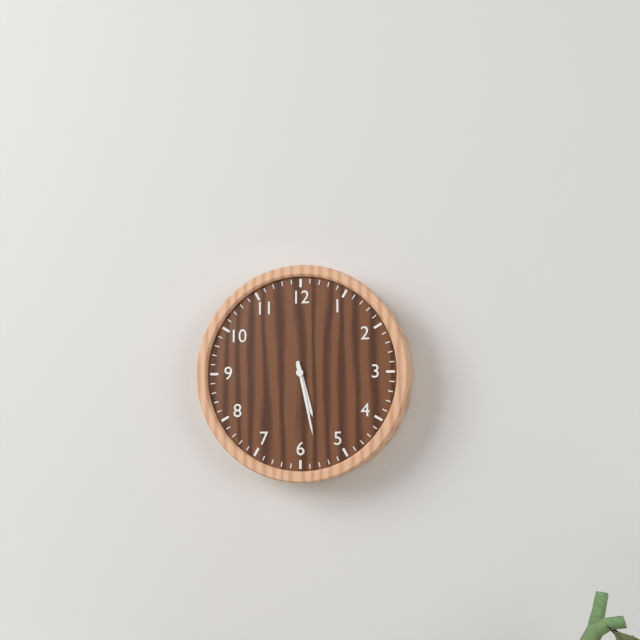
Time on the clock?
5:28
